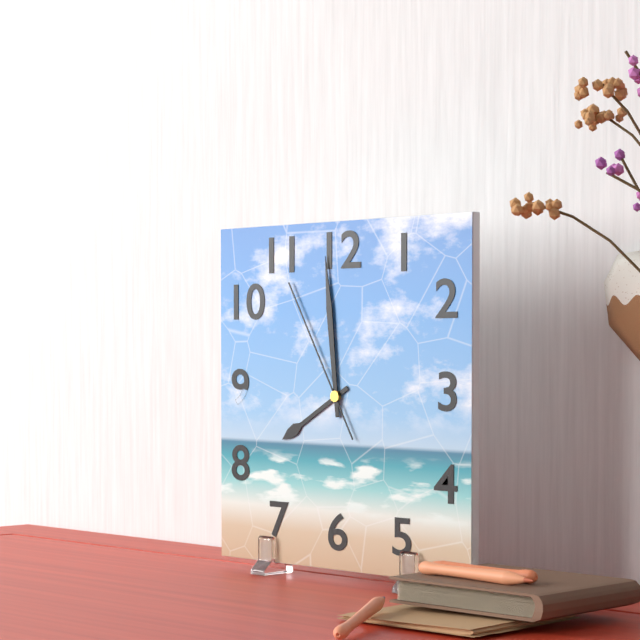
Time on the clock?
7:59:55
